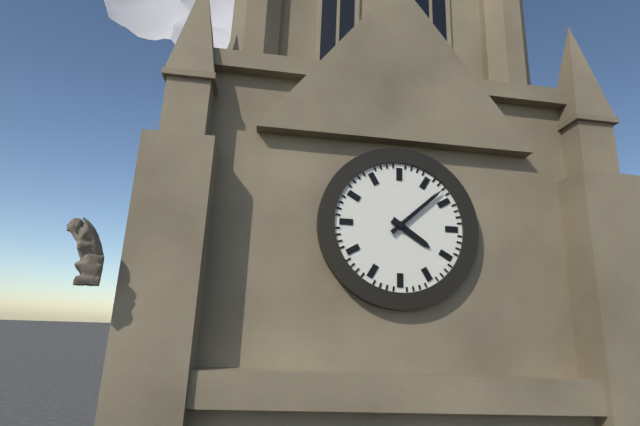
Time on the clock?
4:08
